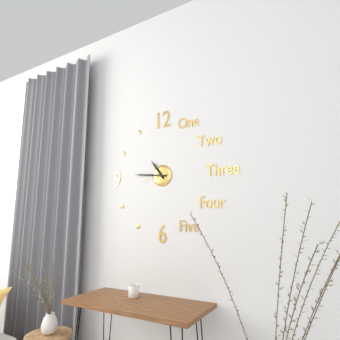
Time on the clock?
10:46
